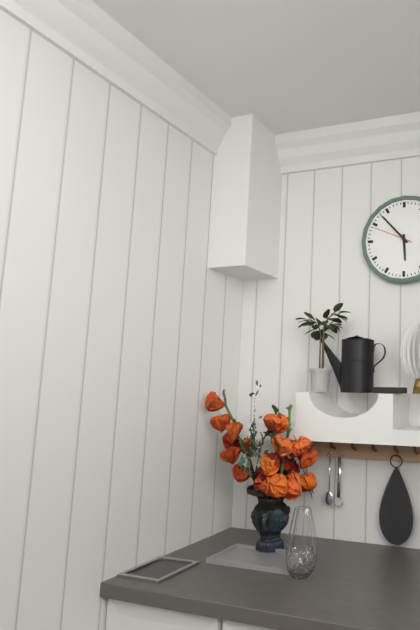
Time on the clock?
5:53
